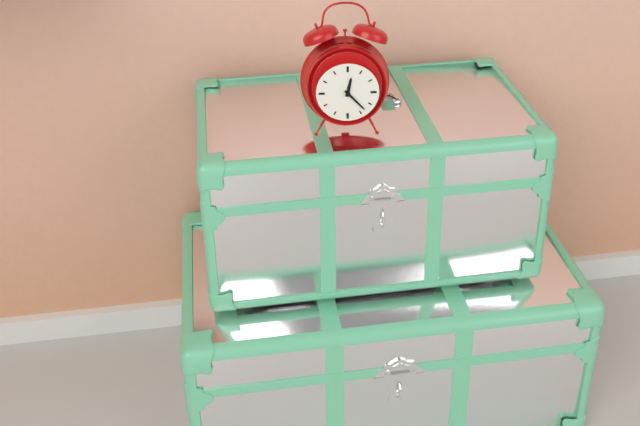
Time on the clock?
12:23
